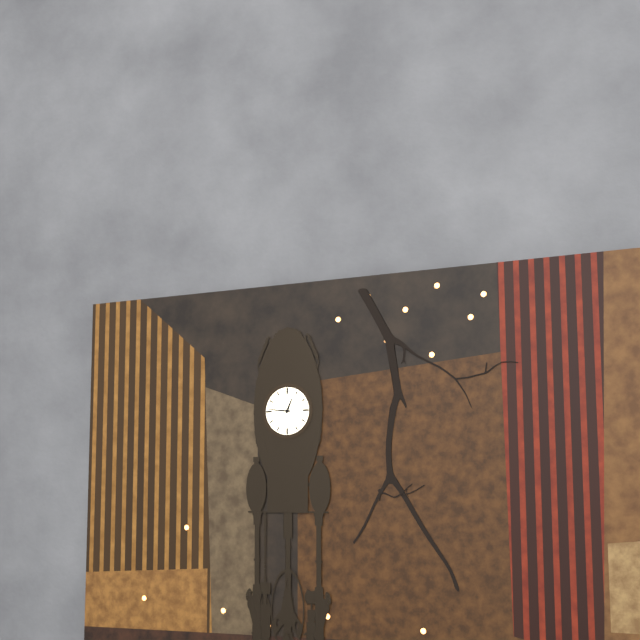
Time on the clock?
12:46
